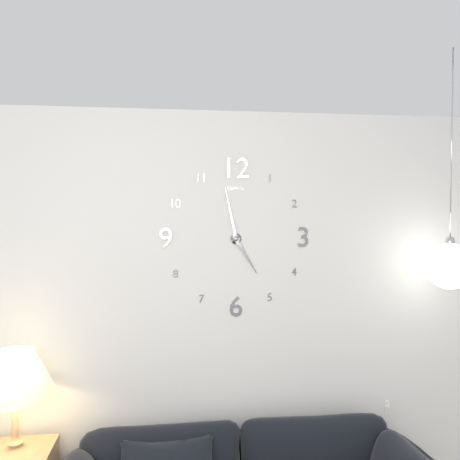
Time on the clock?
4:58
